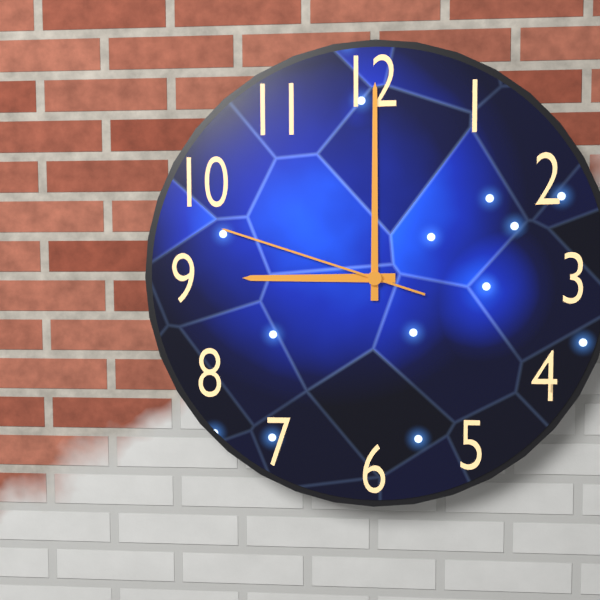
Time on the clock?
9:00:48
